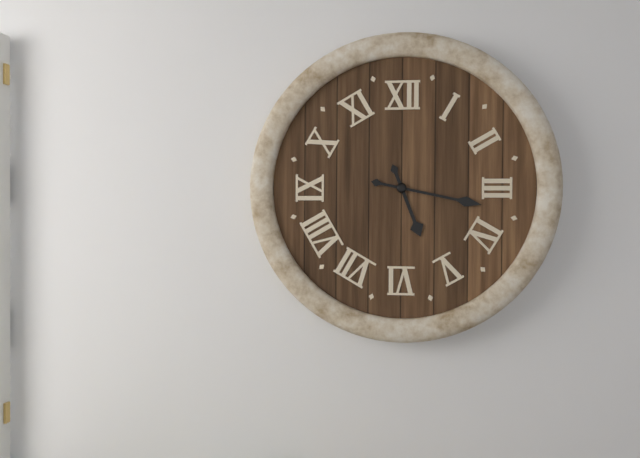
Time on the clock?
5:17
